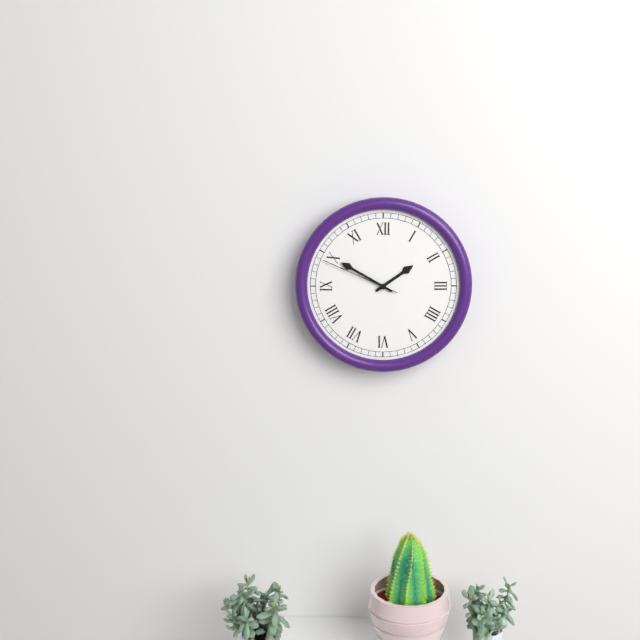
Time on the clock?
1:50:49
